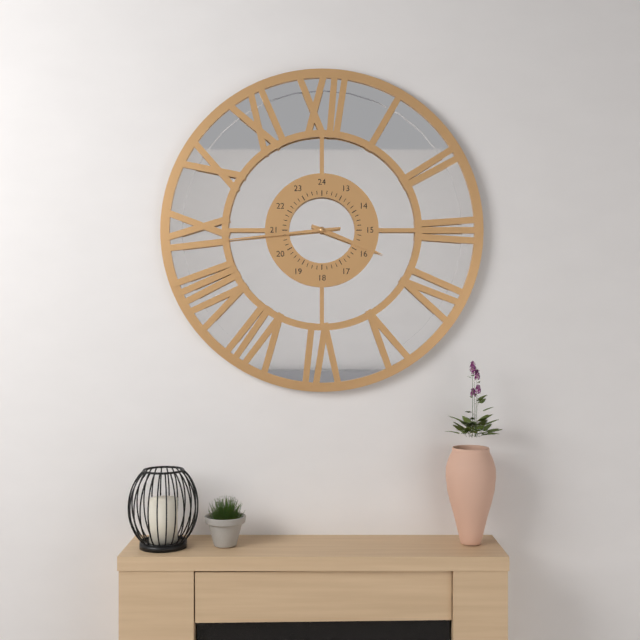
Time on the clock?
3:44
